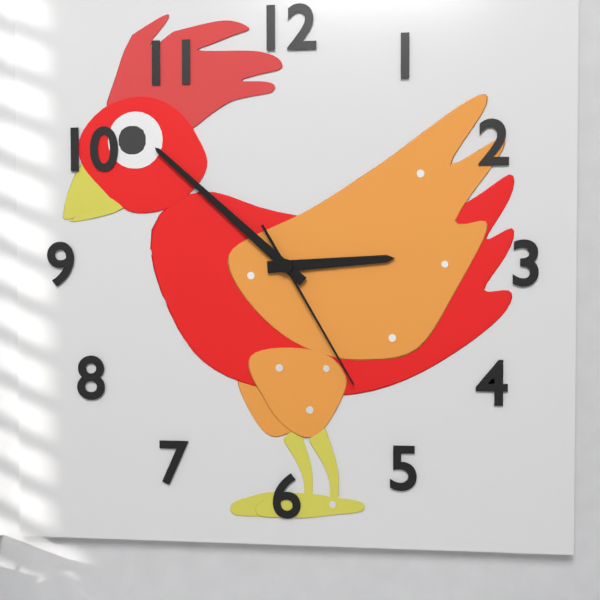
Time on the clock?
2:52:25
